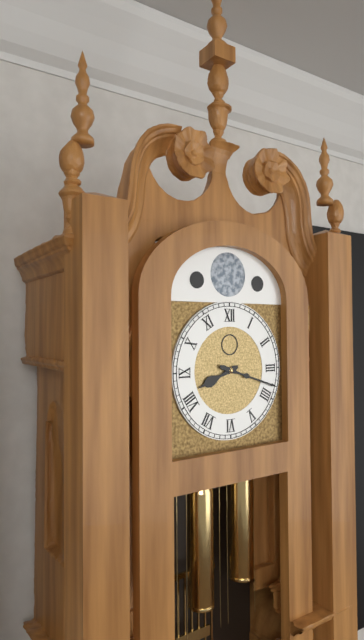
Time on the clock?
8:18
